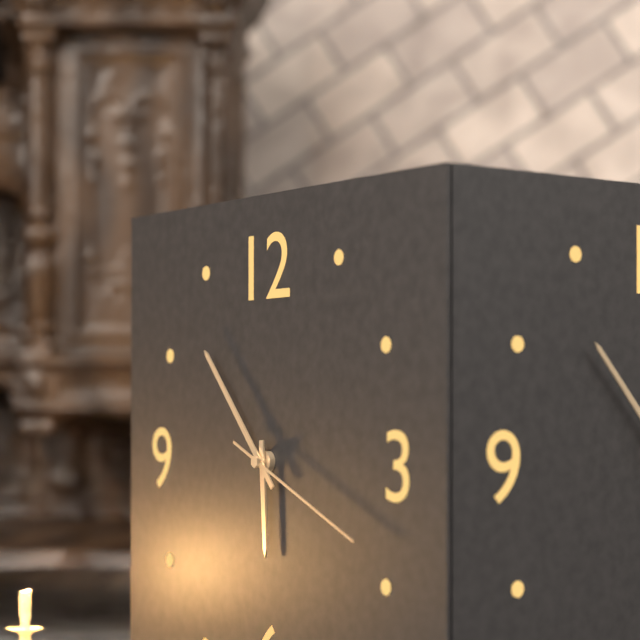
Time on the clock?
5:53:19
